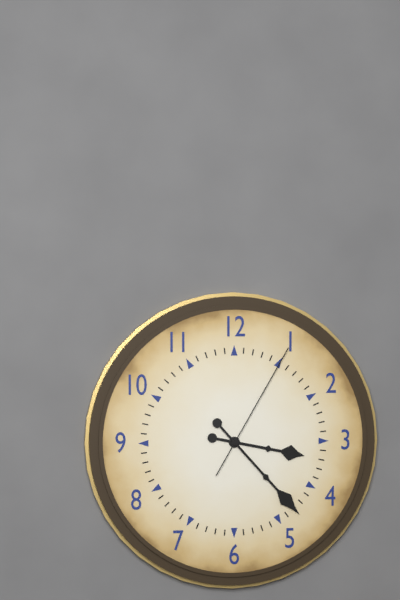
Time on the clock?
3:23:05
